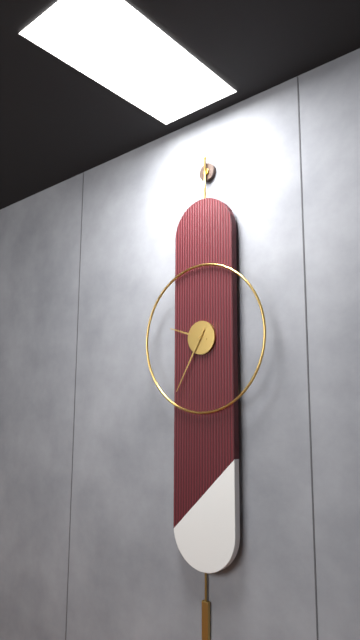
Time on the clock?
9:35
